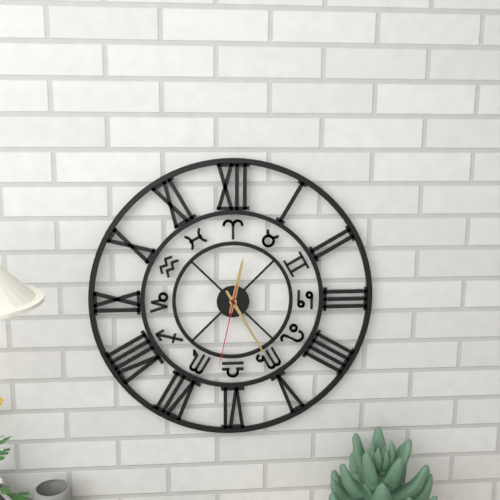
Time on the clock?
12:25:32
